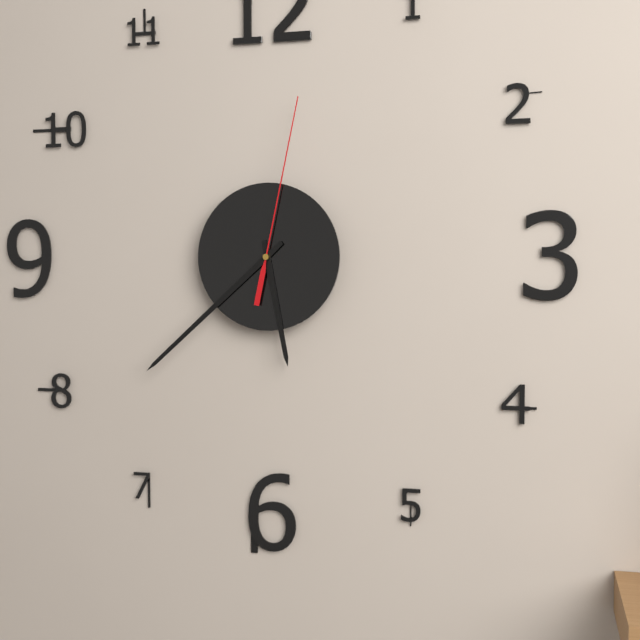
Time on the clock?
5:38:02
